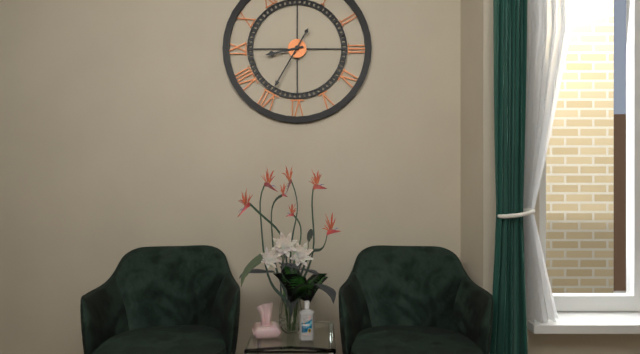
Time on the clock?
8:35
